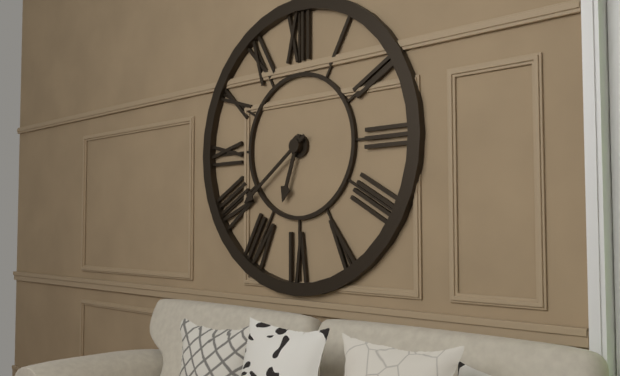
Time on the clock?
6:39
